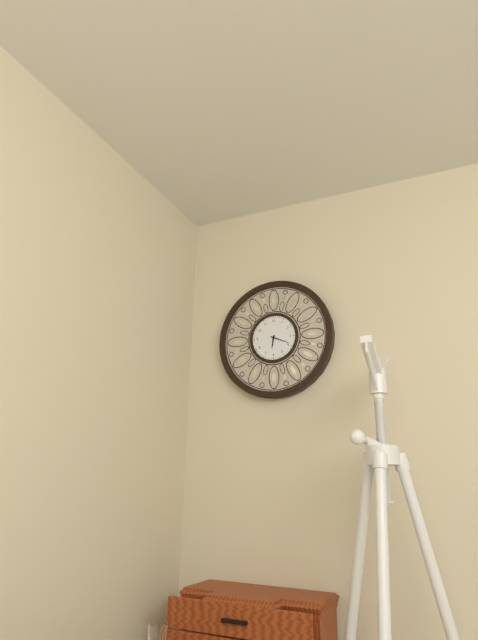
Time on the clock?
6:19
